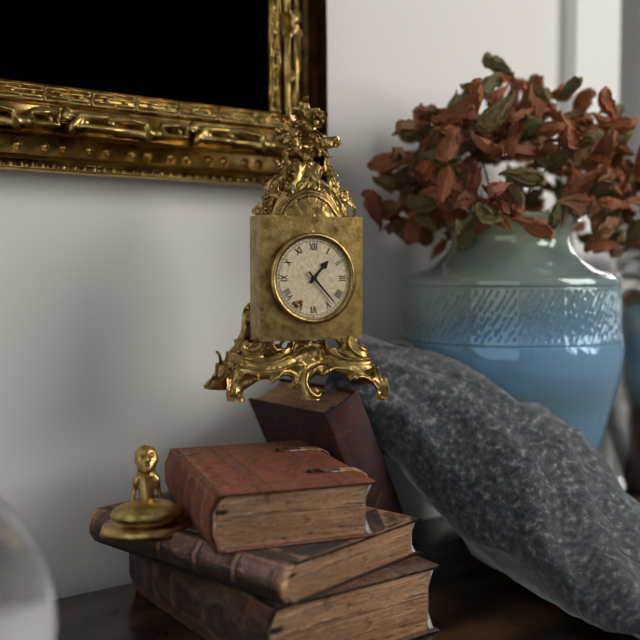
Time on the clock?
1:23
